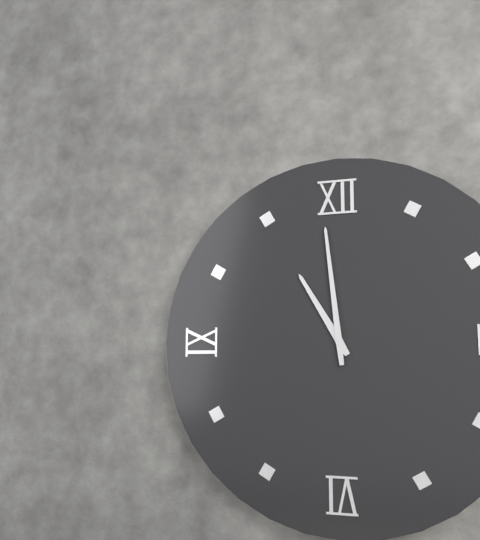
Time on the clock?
10:59
